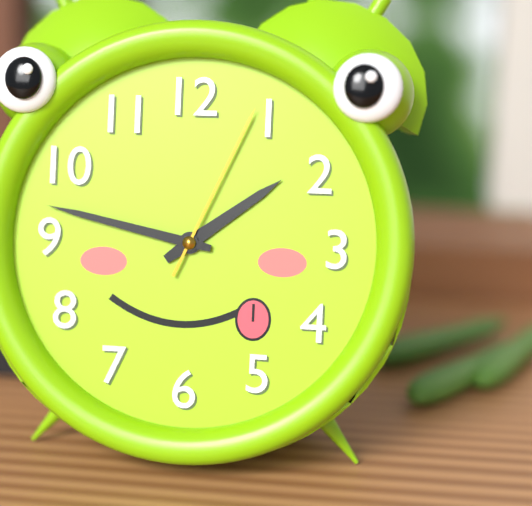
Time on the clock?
1:47:04
